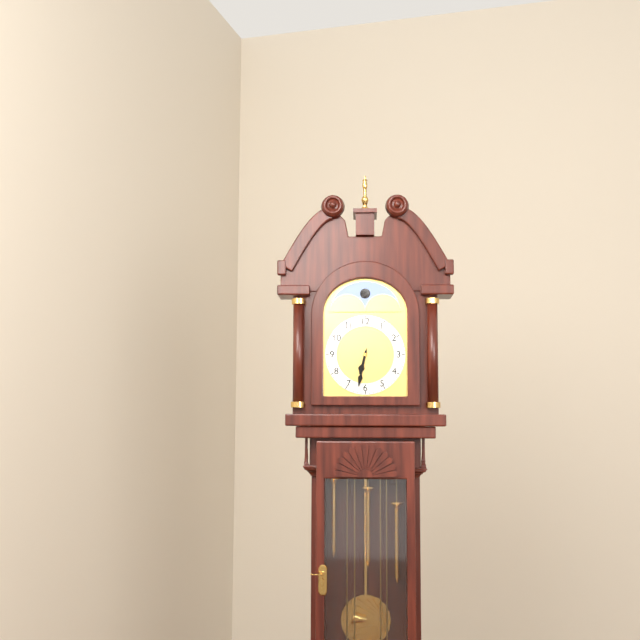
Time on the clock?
6:32
